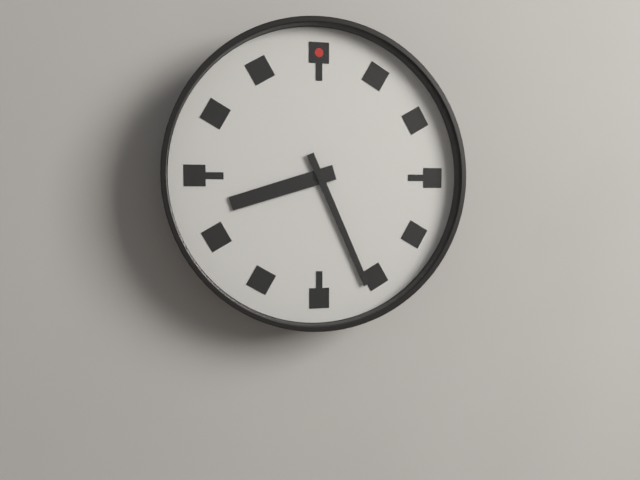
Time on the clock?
8:26
